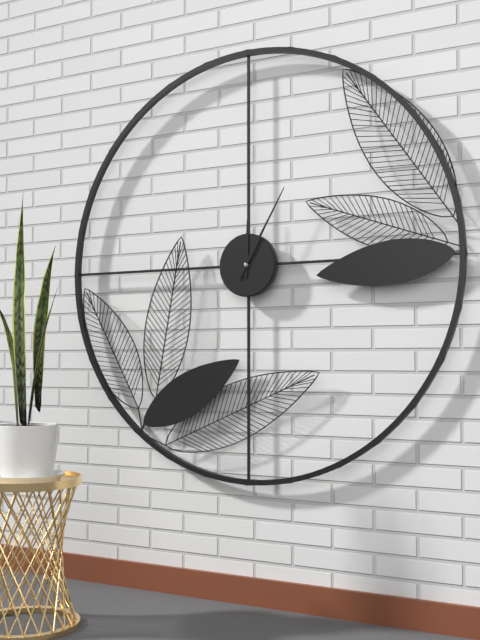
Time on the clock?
12:05
